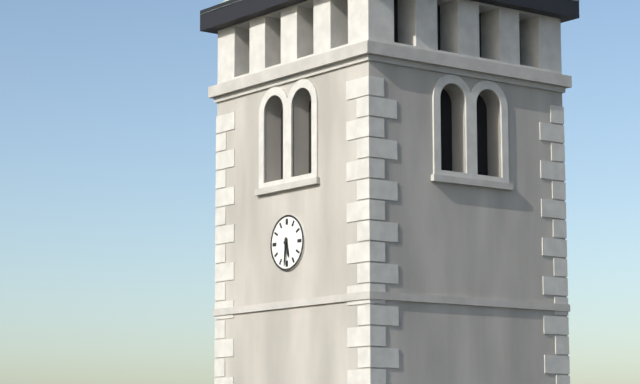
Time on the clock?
5:31
